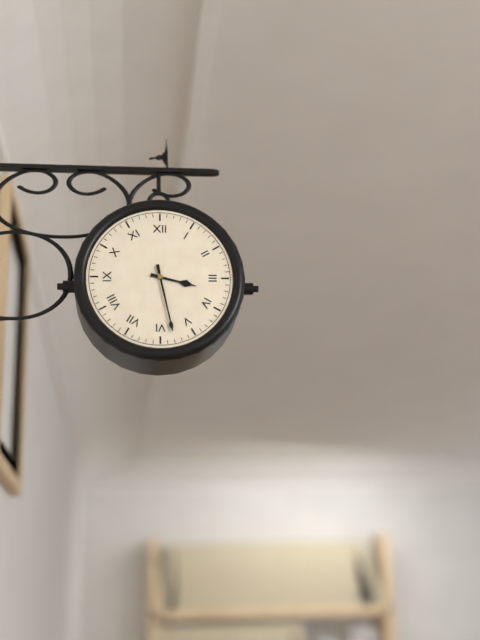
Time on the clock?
3:28
